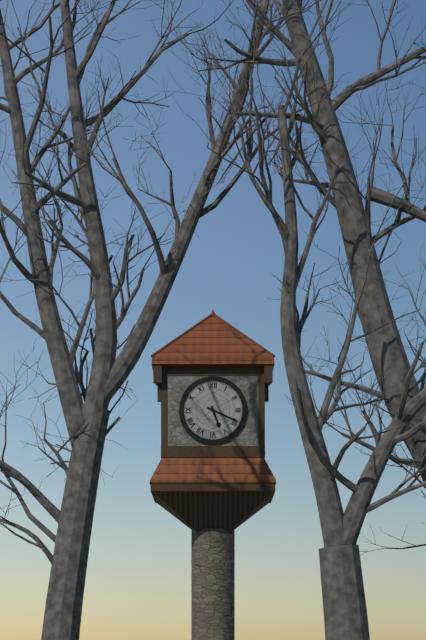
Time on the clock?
5:19
